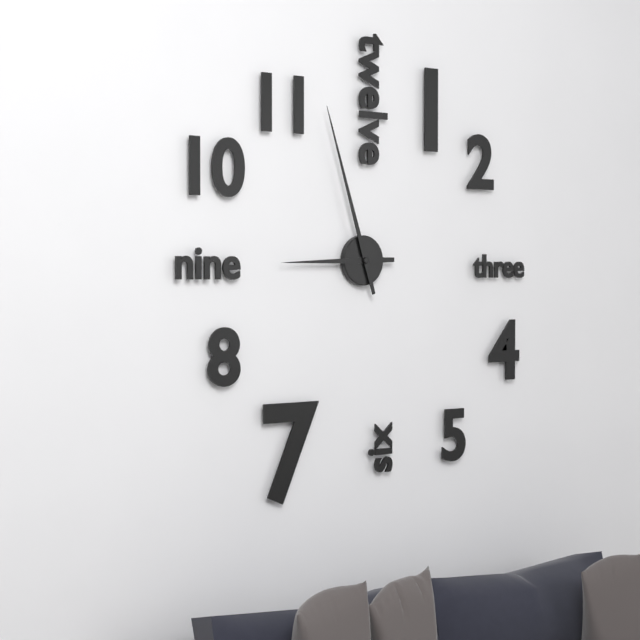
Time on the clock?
8:57
